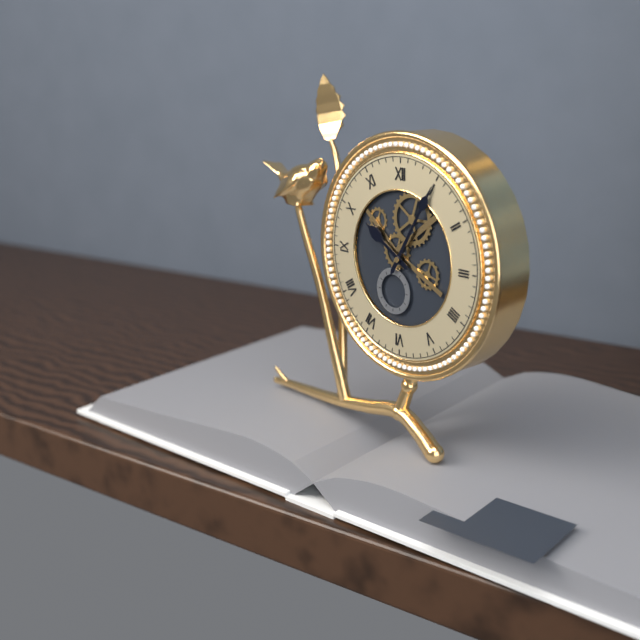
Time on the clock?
10:05
